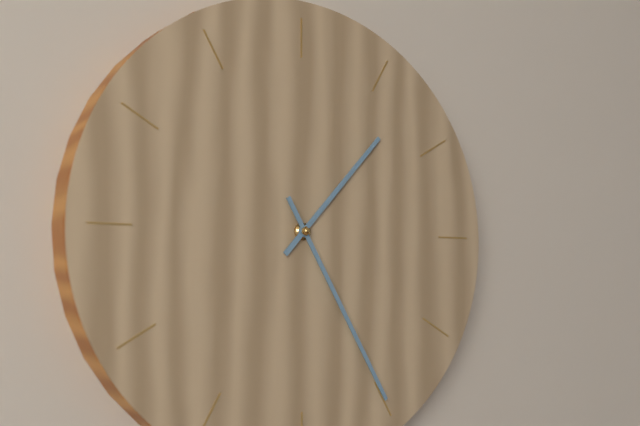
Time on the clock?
1:25
